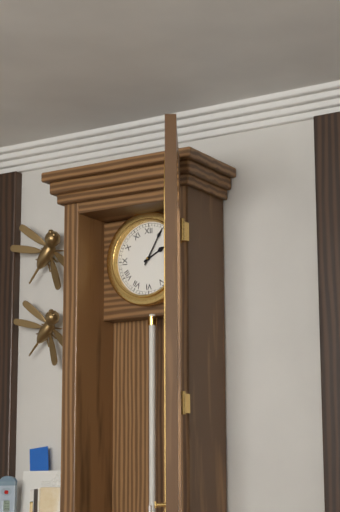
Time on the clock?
2:05
